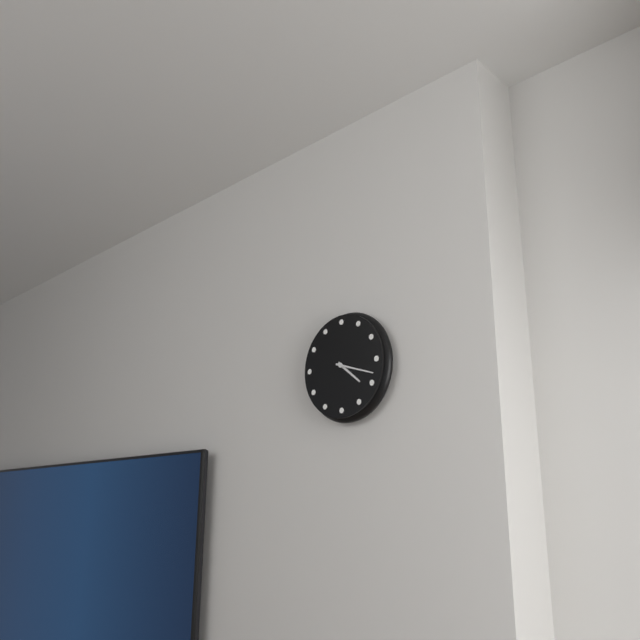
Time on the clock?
4:18
